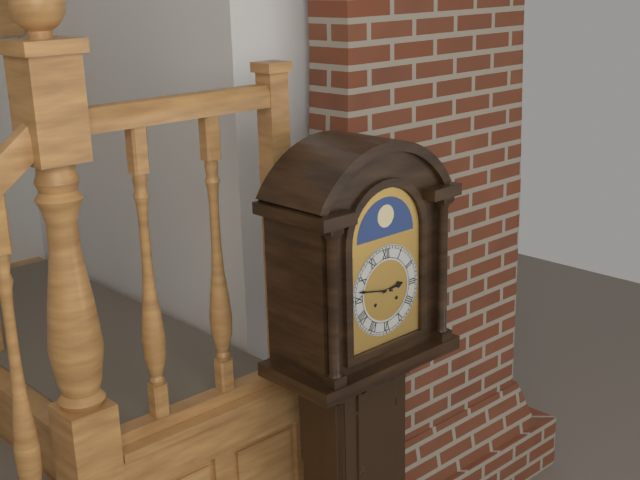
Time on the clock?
2:47
